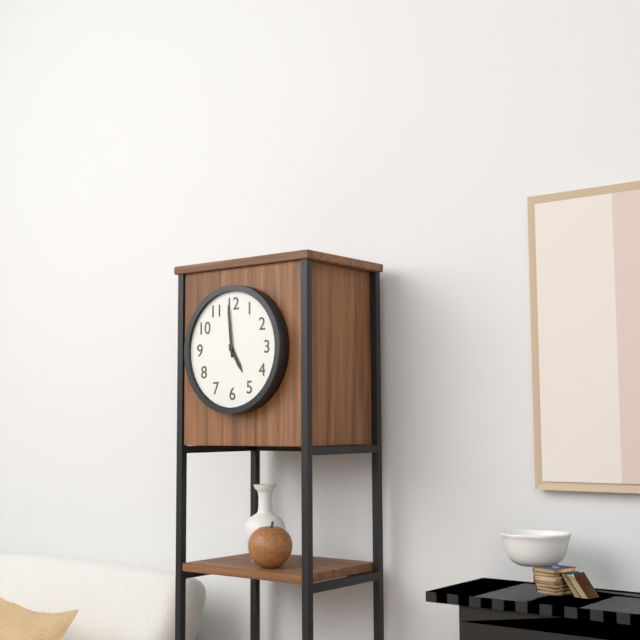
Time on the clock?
4:59
